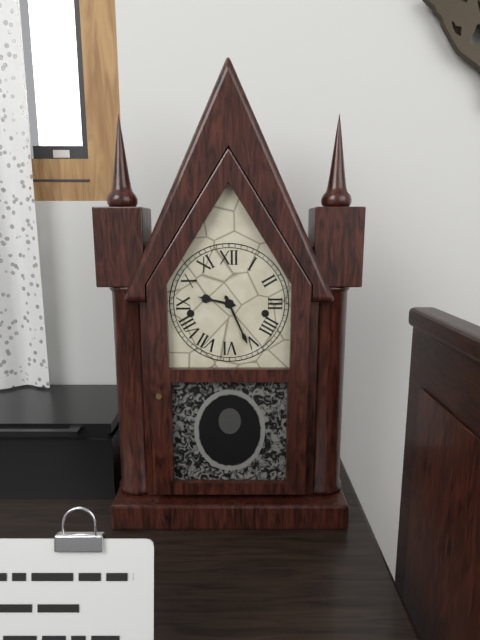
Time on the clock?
9:26
